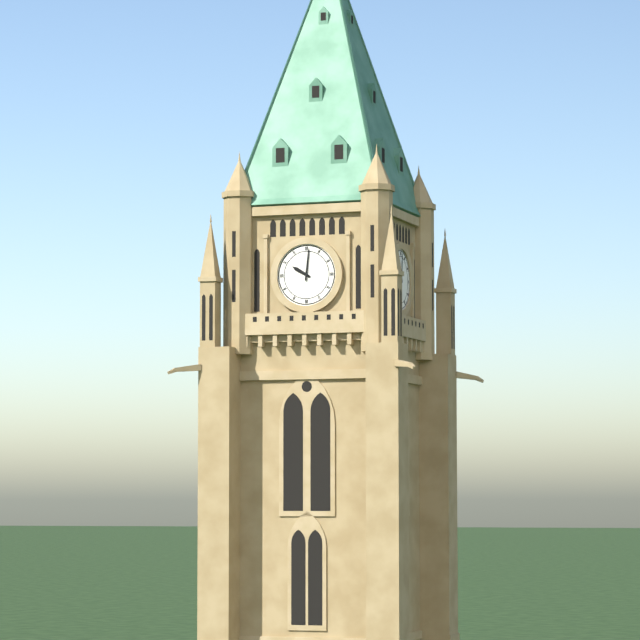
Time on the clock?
10:01
